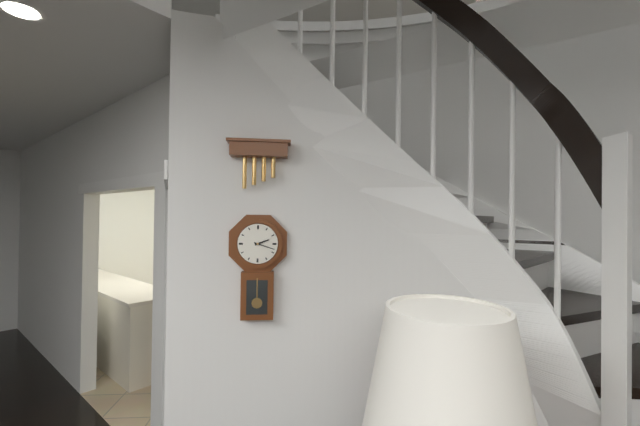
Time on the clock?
2:18
